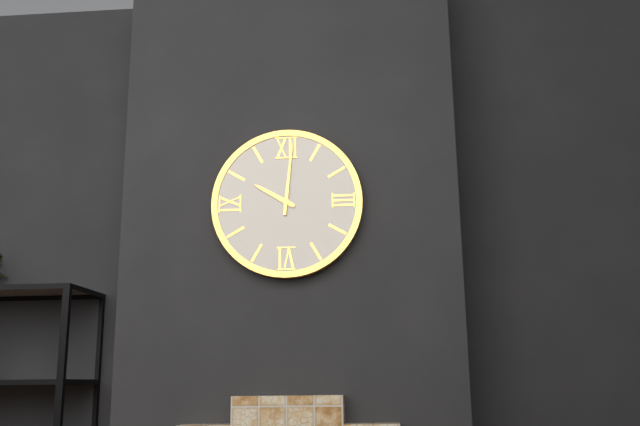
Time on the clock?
10:01
